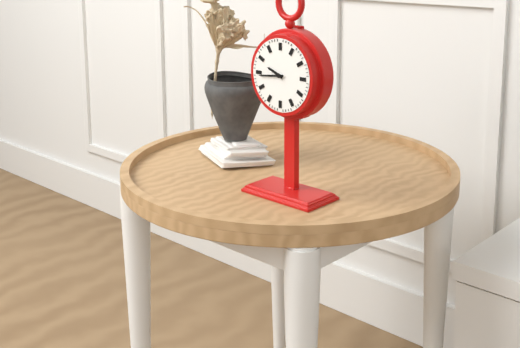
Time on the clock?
9:44
